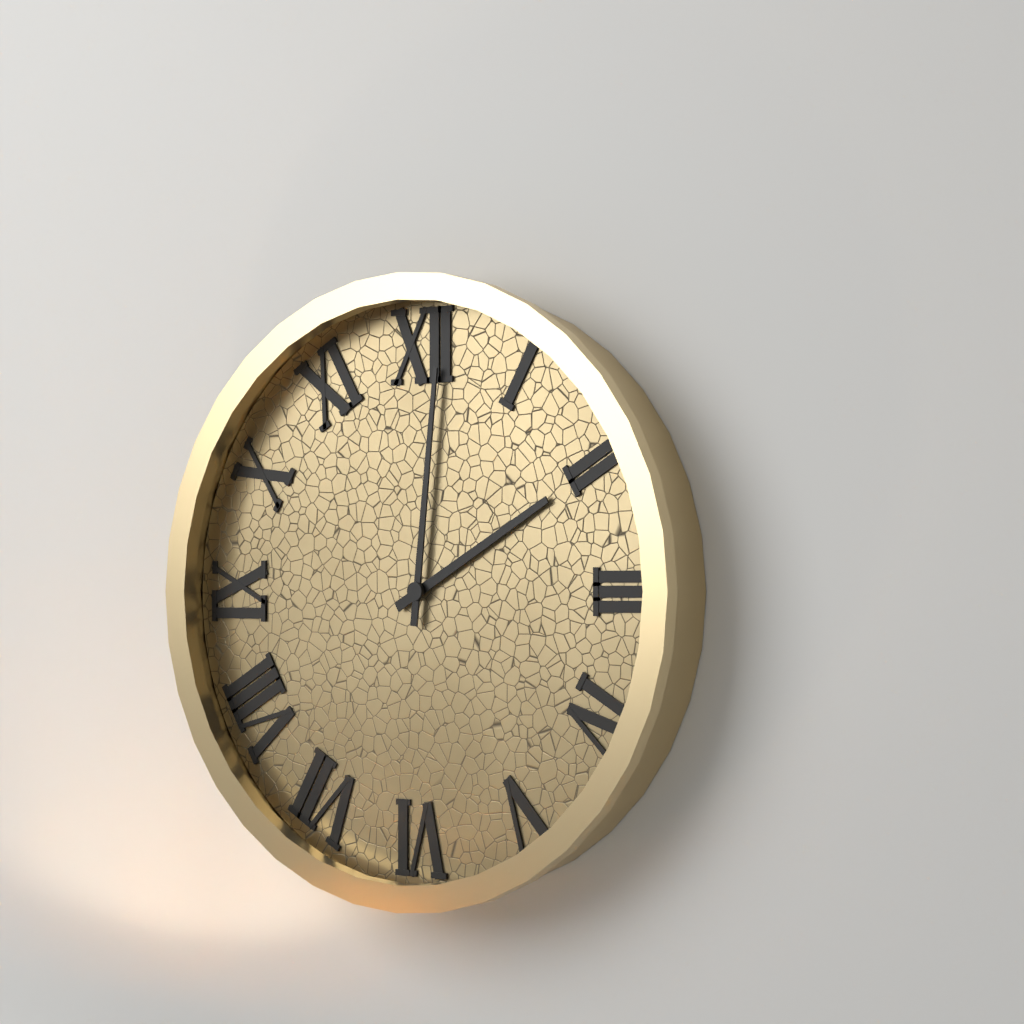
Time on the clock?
2:01
